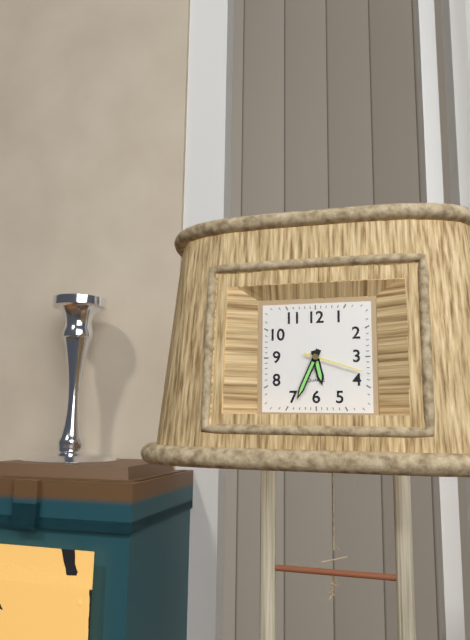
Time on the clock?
5:34:18
